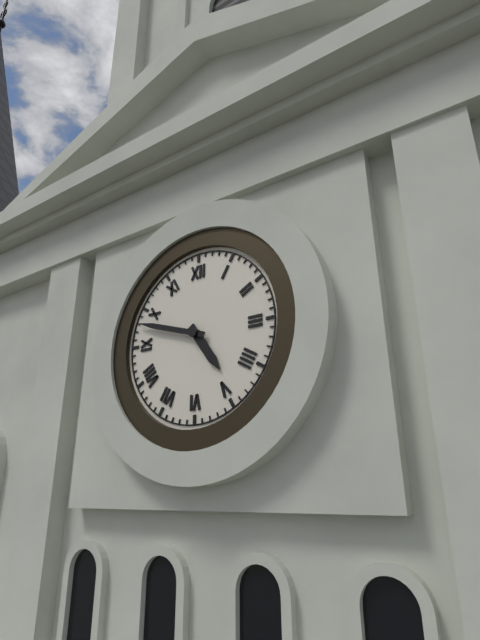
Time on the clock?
4:48
